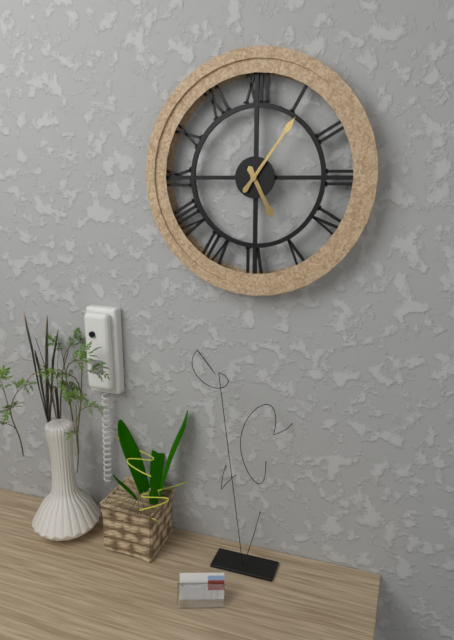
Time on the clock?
5:06
